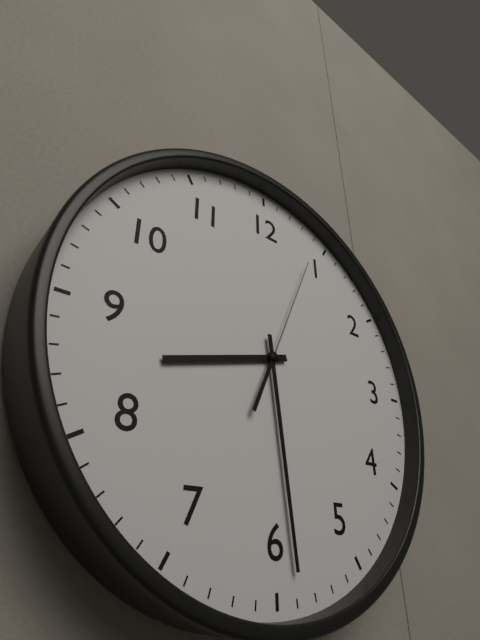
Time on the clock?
8:29:04
